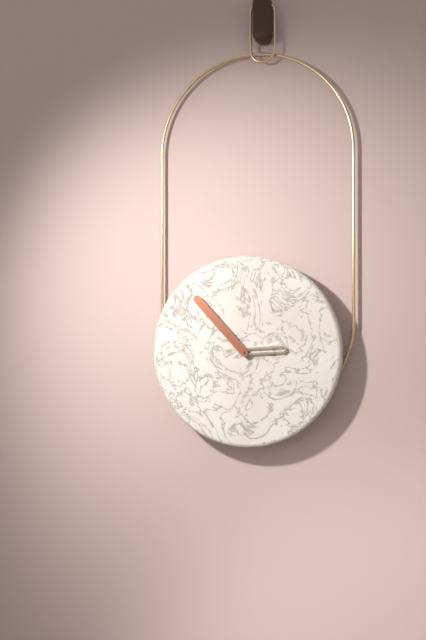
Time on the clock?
2:53
